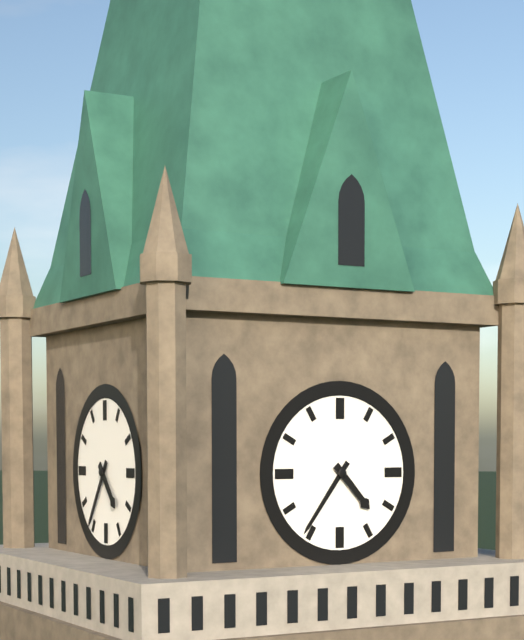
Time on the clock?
4:36
